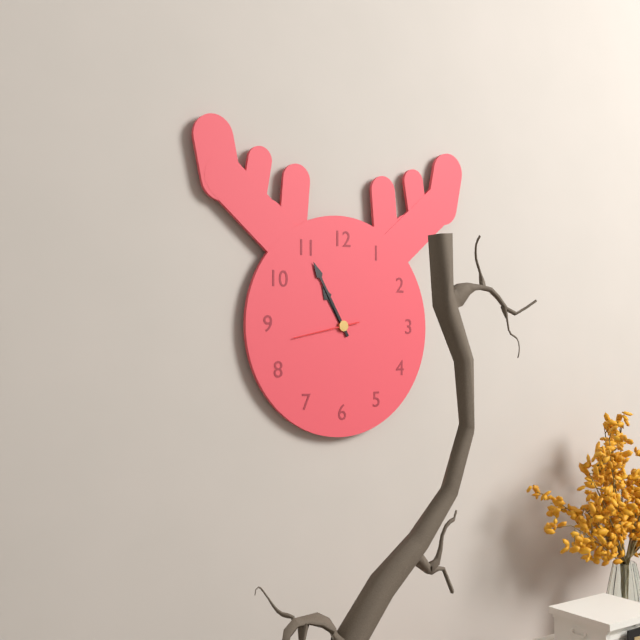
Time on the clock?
10:55:43
